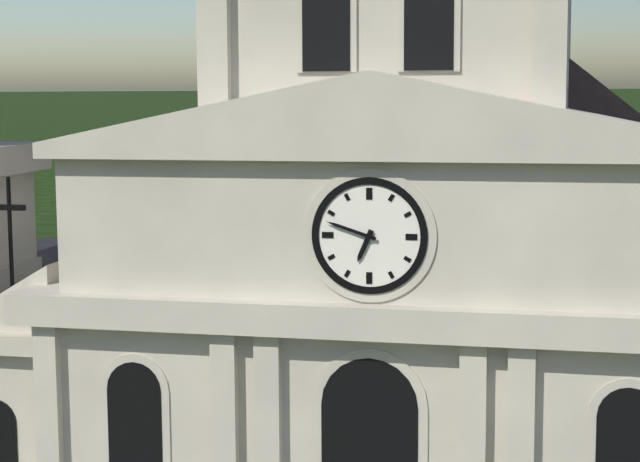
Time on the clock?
6:48
